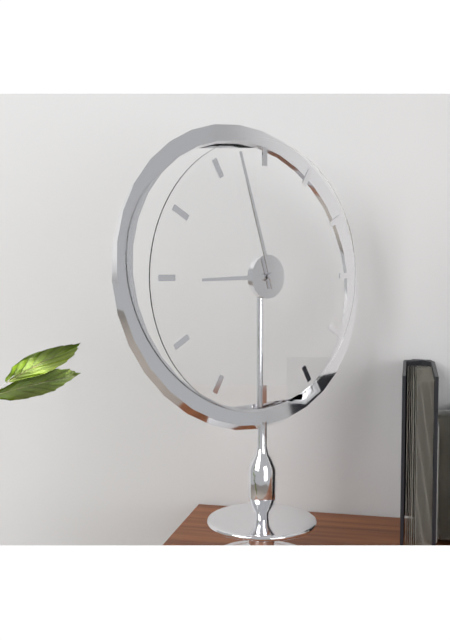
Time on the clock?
8:57
